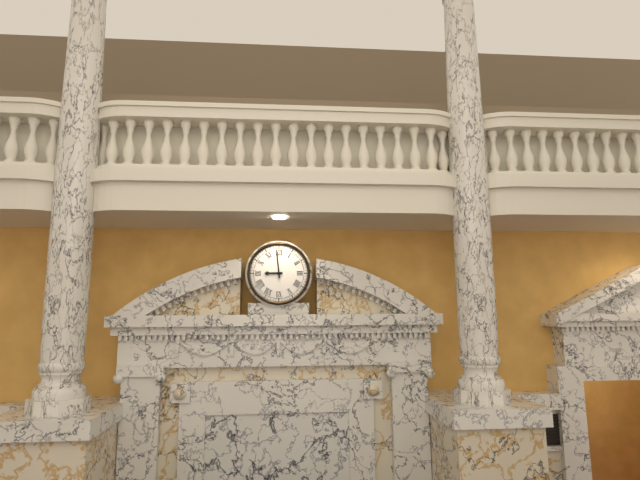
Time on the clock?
8:59
